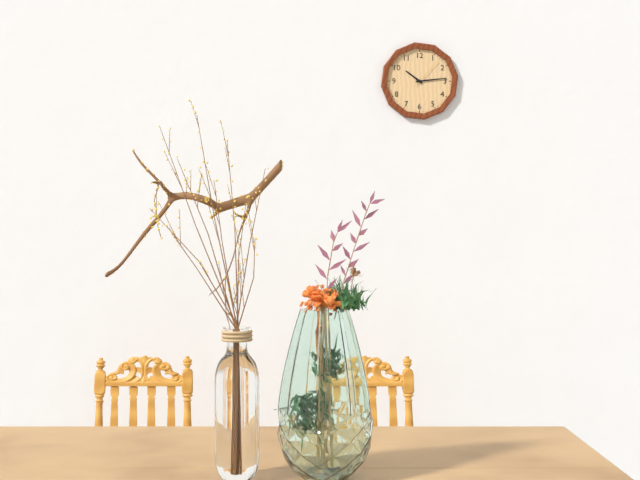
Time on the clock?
10:14
